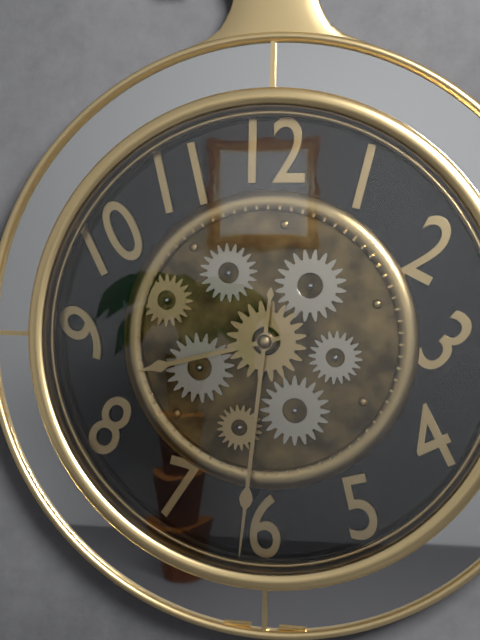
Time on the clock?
8:31
